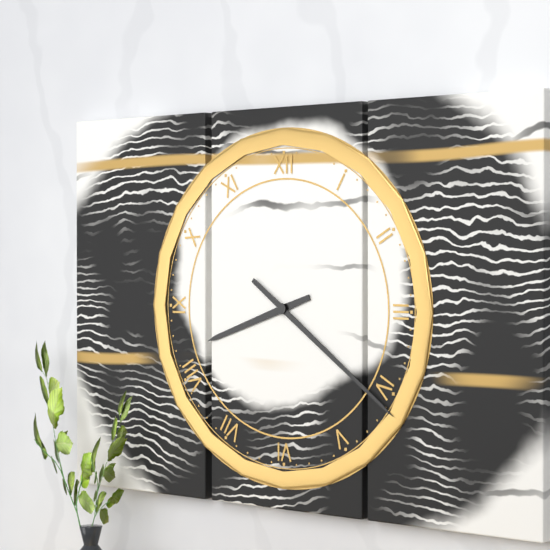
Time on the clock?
8:21
